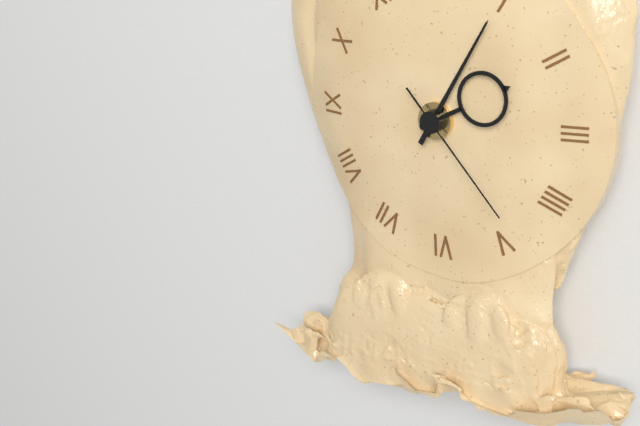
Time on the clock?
2:05:23
